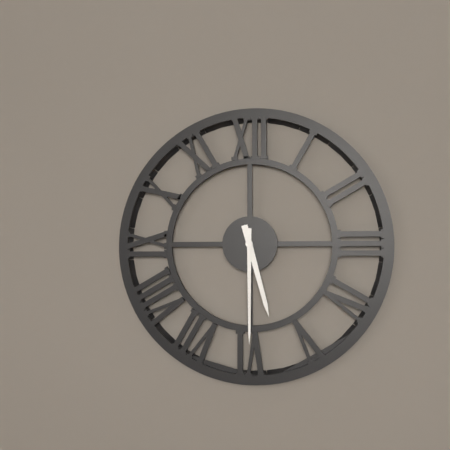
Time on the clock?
5:30
